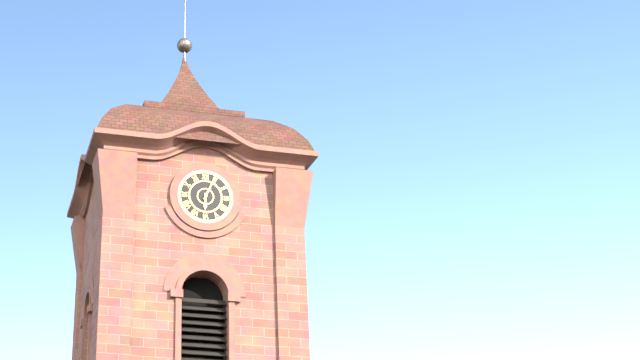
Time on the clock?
6:04
